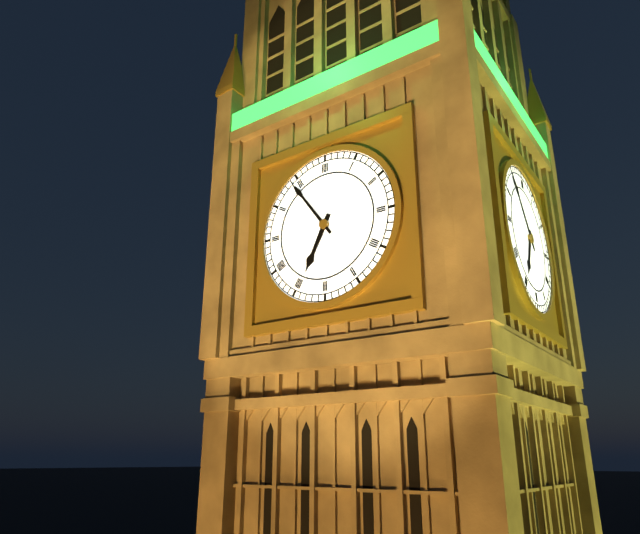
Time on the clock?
6:54
